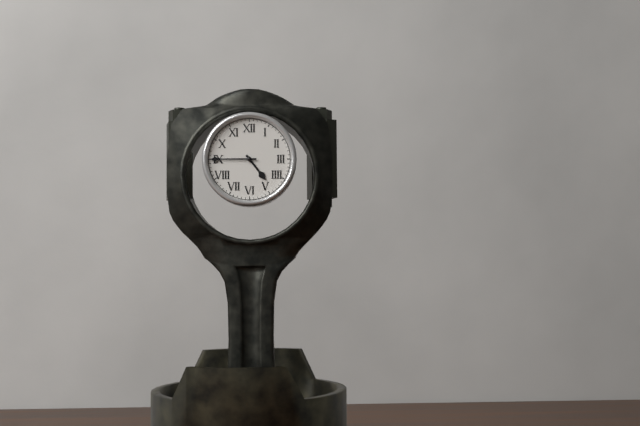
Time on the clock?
4:45
